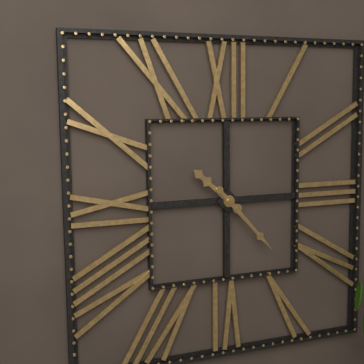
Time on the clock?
10:23
